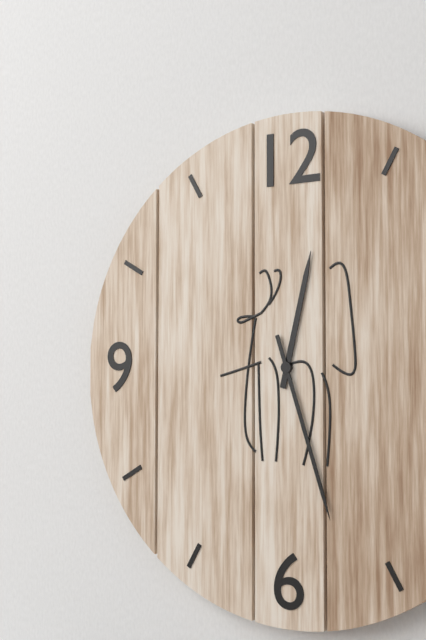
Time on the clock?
12:27
